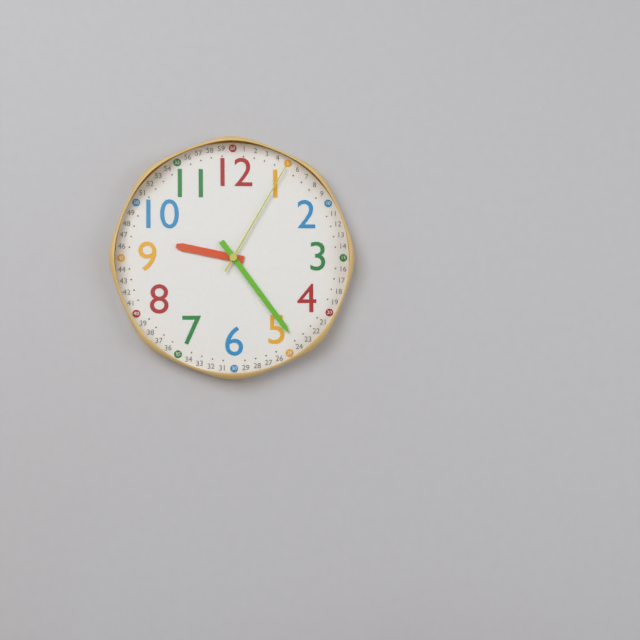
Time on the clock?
9:24:05
